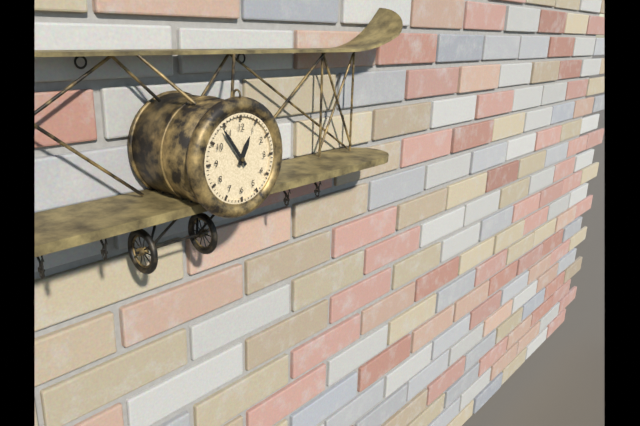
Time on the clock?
12:54
